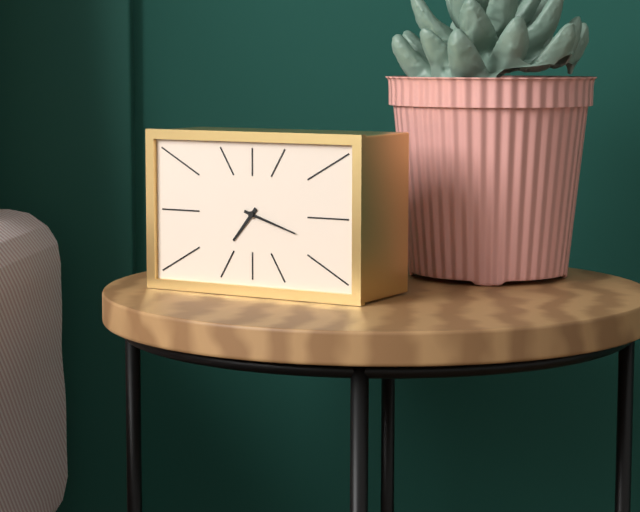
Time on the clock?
7:18
